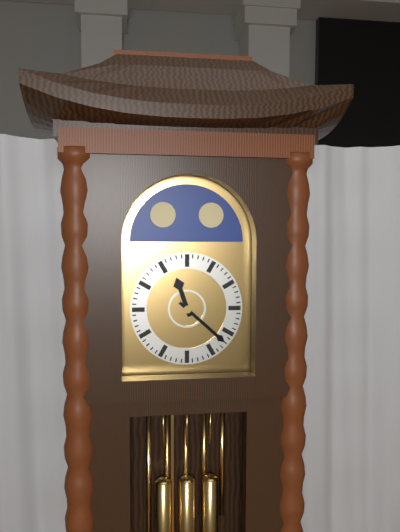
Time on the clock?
11:22
